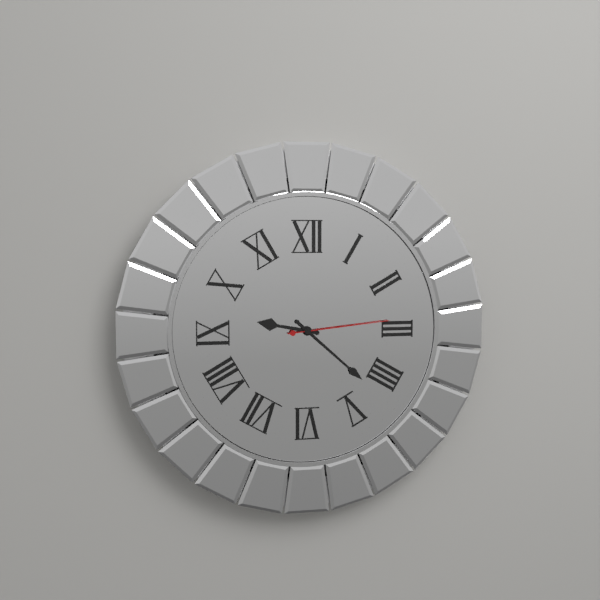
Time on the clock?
9:22:14
